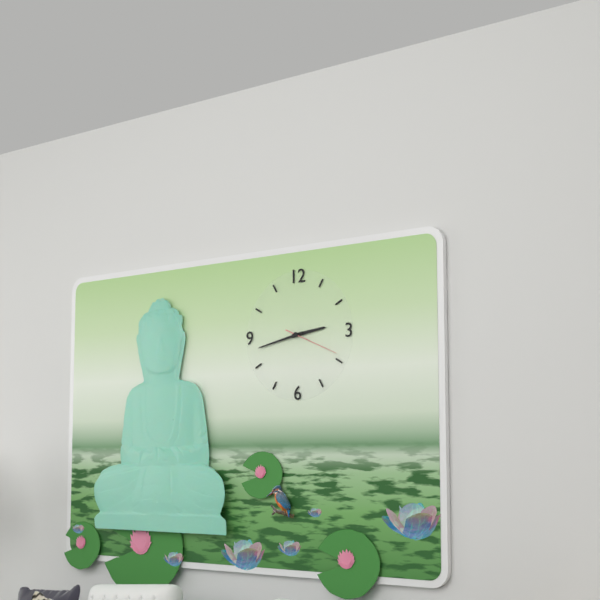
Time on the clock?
2:43:19
